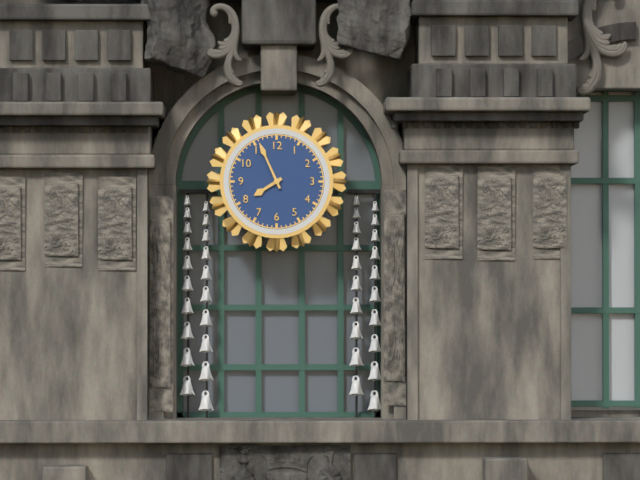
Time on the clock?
7:56
